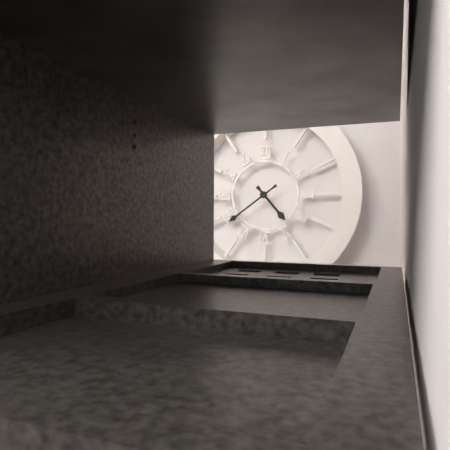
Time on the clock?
4:39
